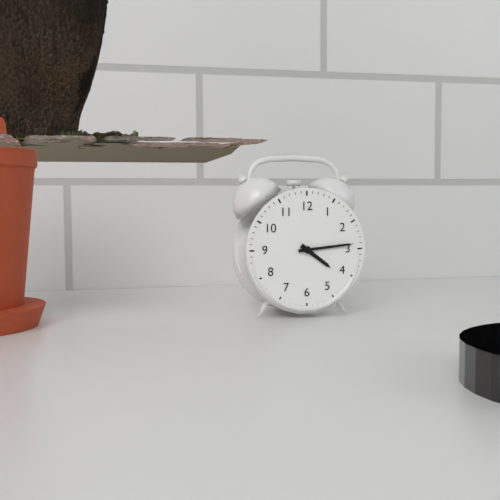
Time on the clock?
4:14
